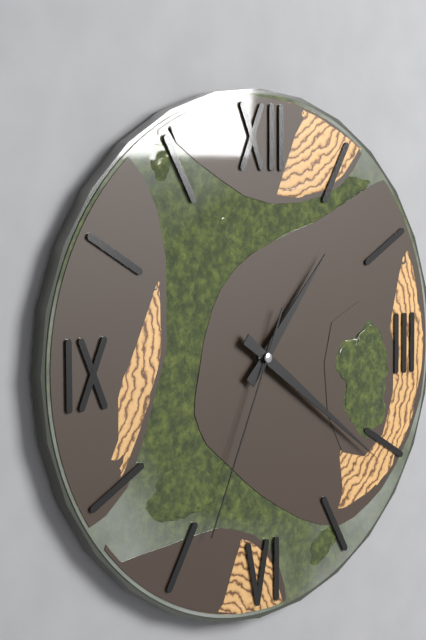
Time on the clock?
1:21:34
